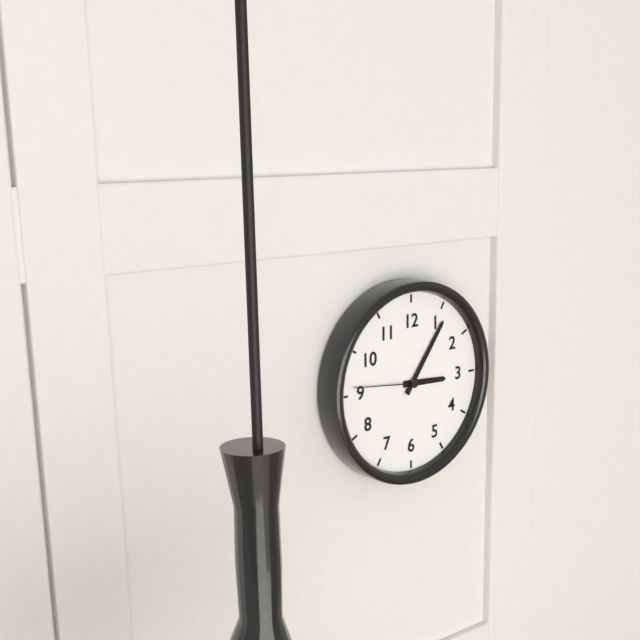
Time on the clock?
3:06:46
